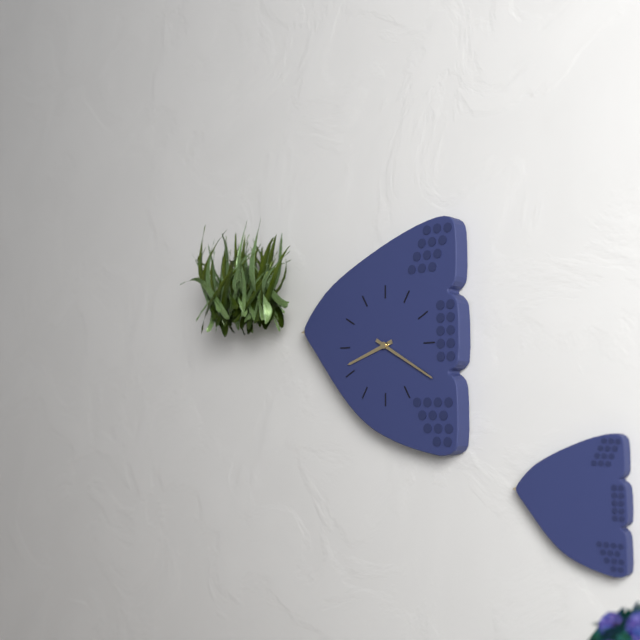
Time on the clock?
8:20
